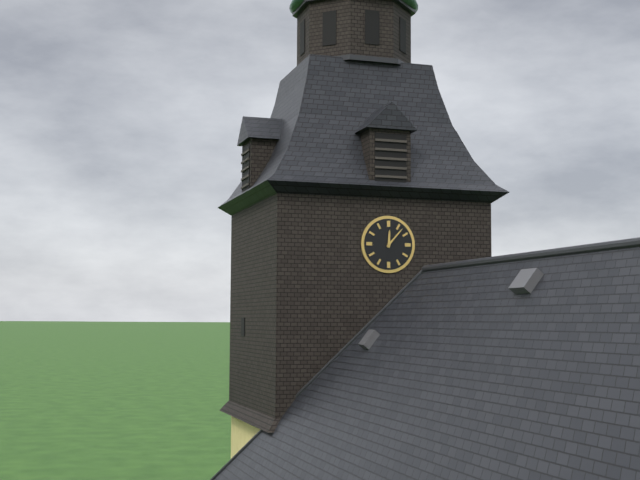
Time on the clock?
12:07
